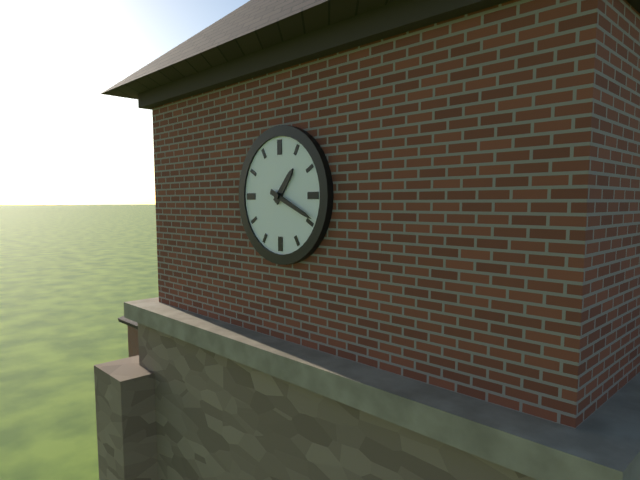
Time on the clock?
1:19
